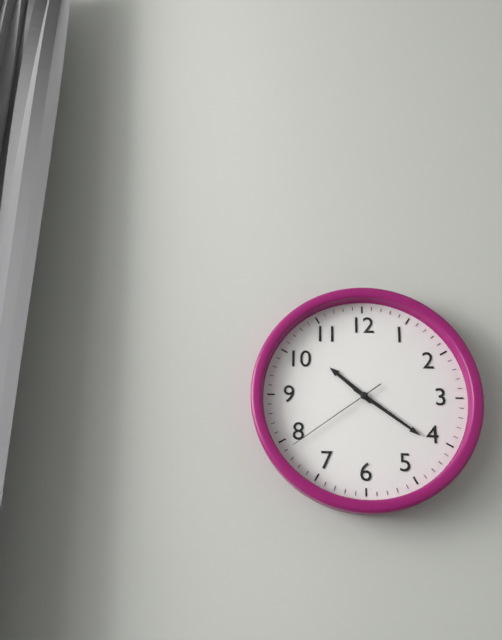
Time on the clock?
10:21:39
